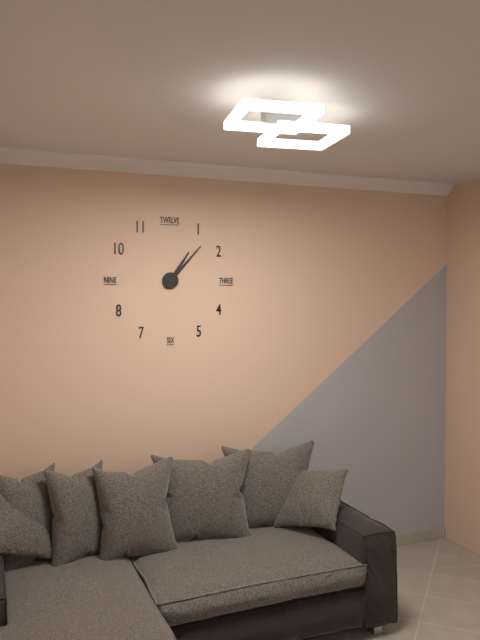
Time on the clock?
1:07
